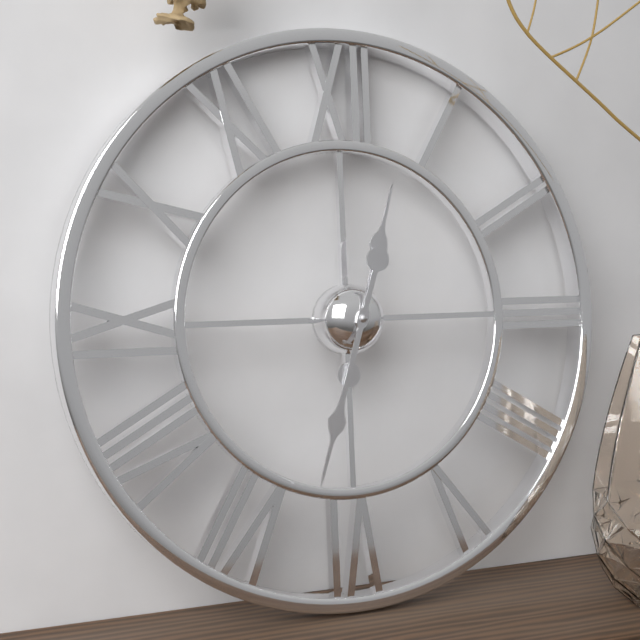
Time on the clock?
12:33
